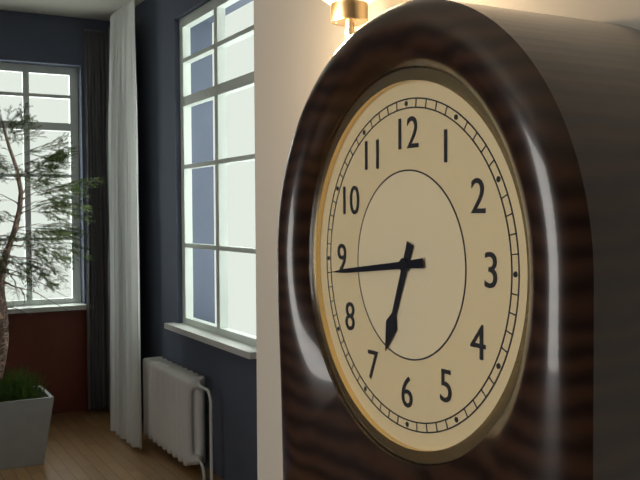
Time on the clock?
6:44
